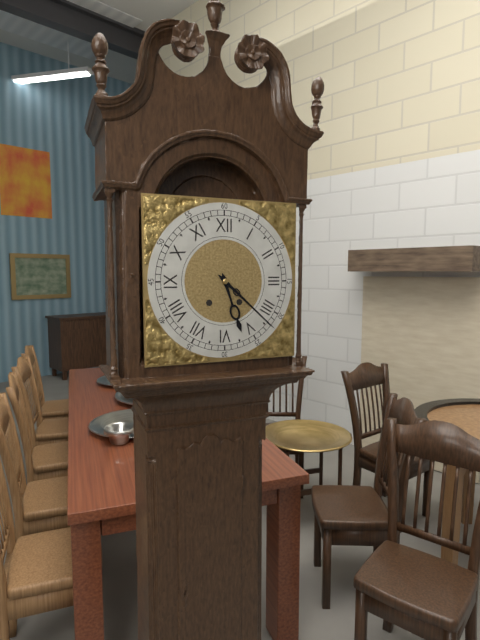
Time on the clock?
5:22
